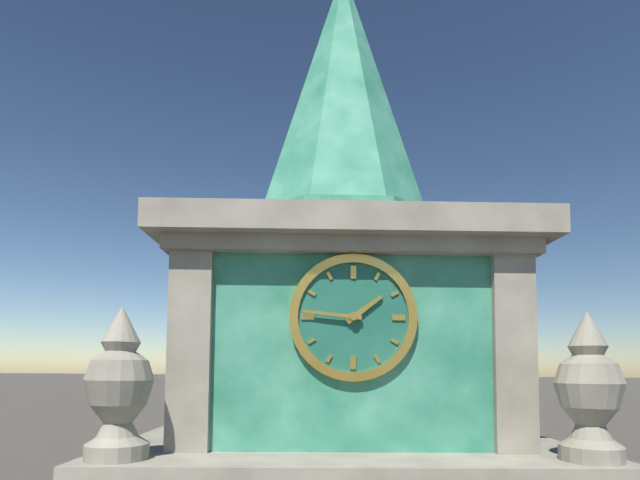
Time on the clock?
1:46
